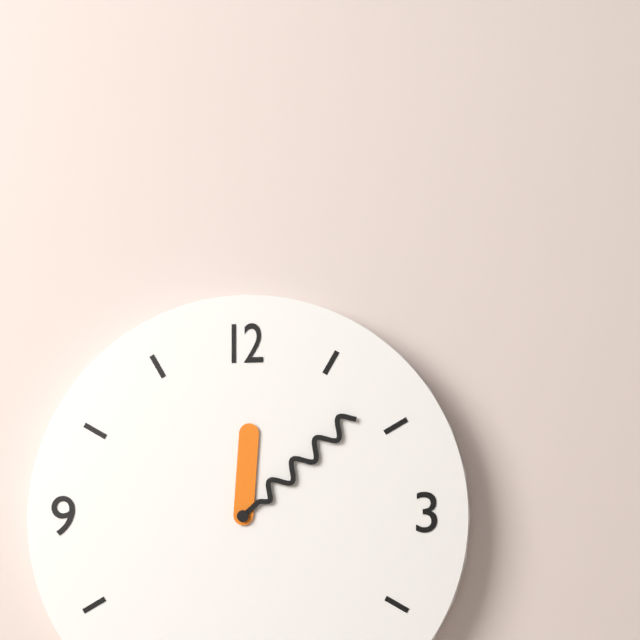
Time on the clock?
12:08
